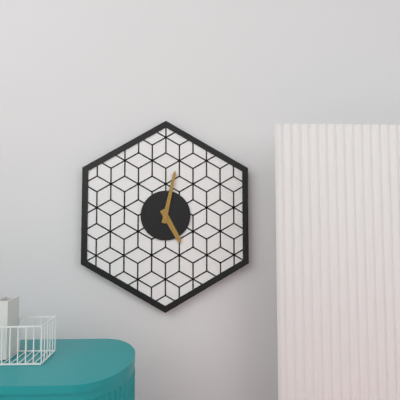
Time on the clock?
5:02
